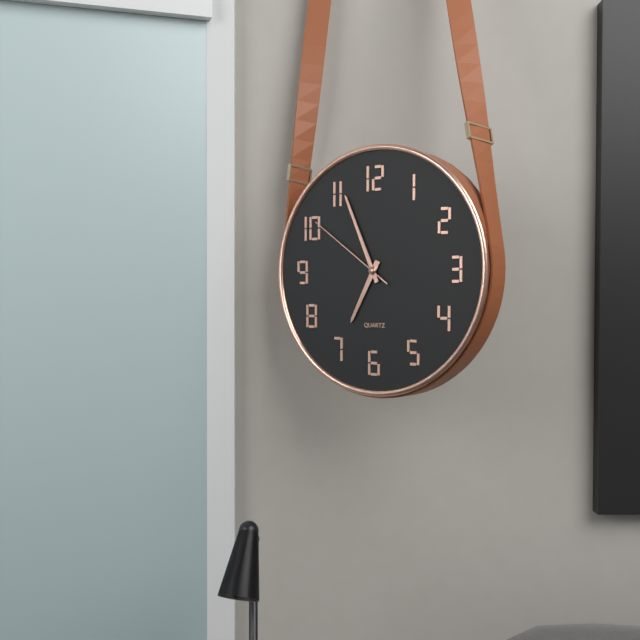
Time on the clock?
6:56:51
